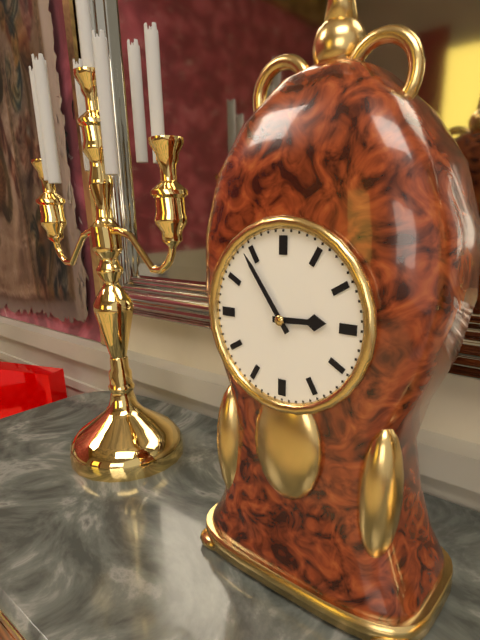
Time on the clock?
2:54
